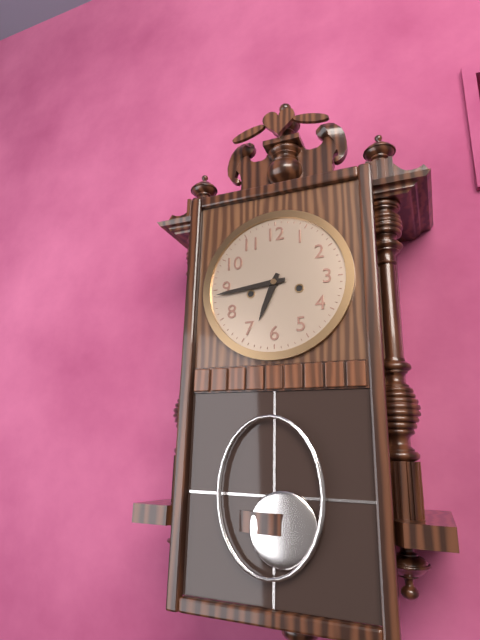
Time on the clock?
6:44
